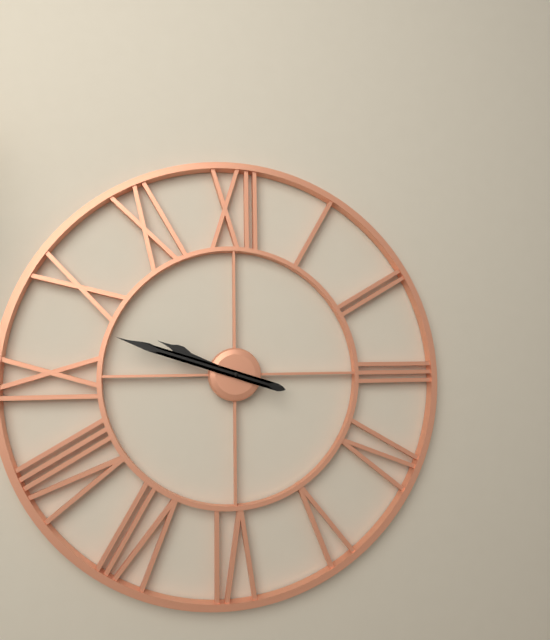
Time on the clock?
9:48
